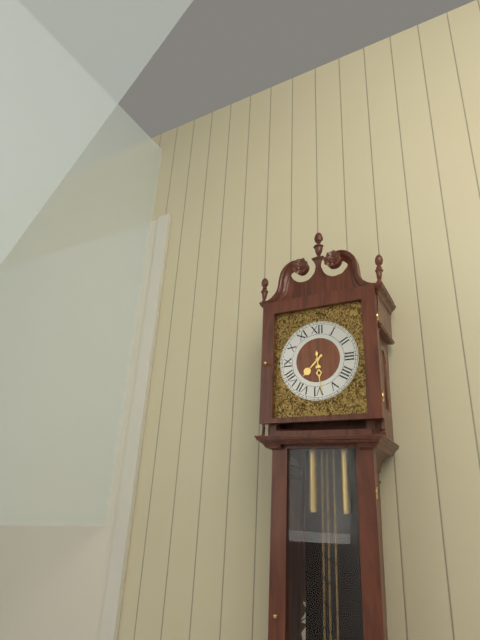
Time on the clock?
7:29
